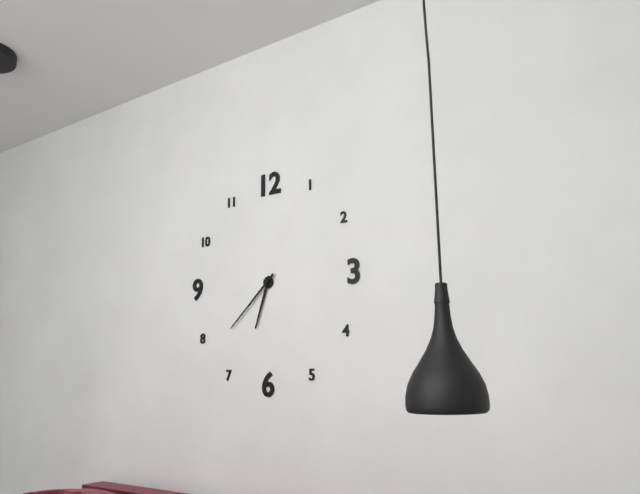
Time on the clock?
6:38
